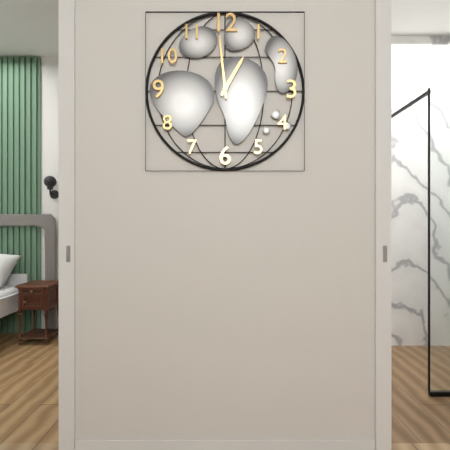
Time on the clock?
12:59
